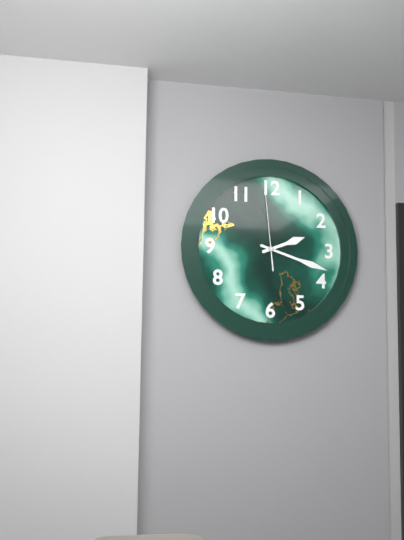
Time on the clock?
2:18:59
